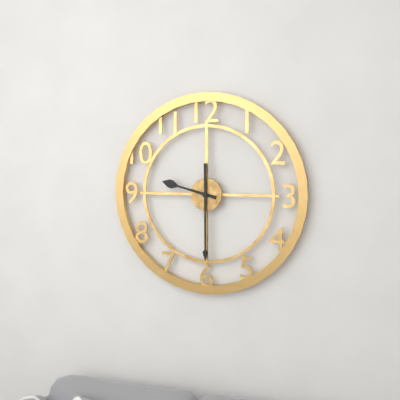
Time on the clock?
9:30
